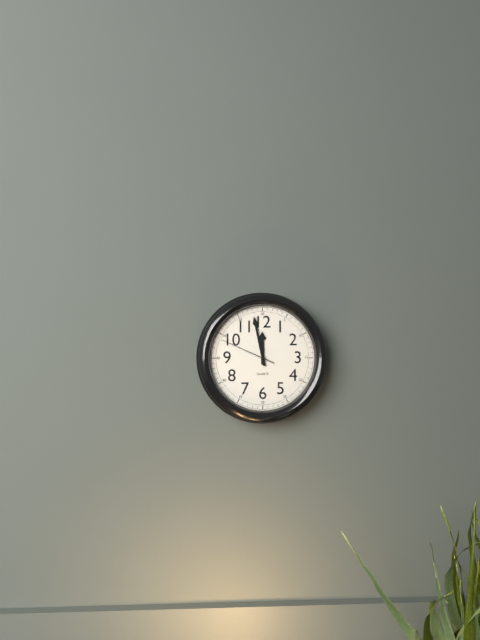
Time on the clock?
11:58:49
